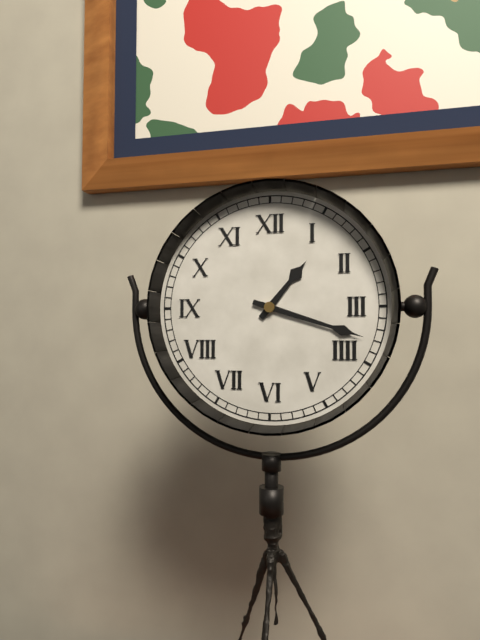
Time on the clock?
1:18
